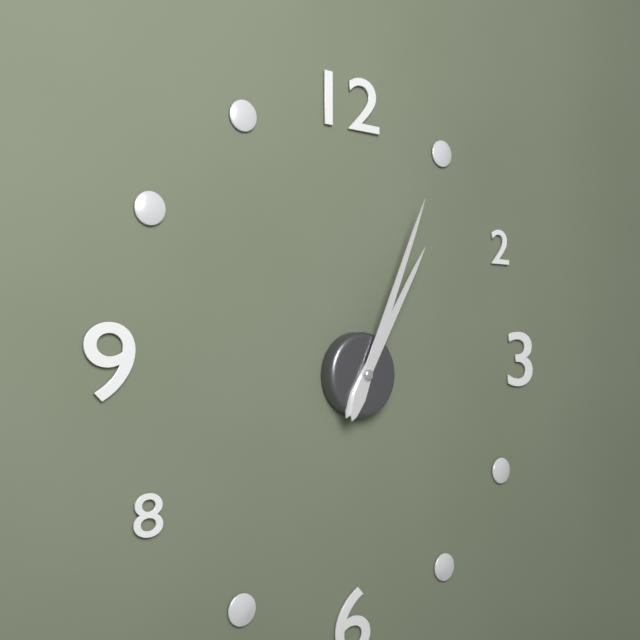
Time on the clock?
1:04
